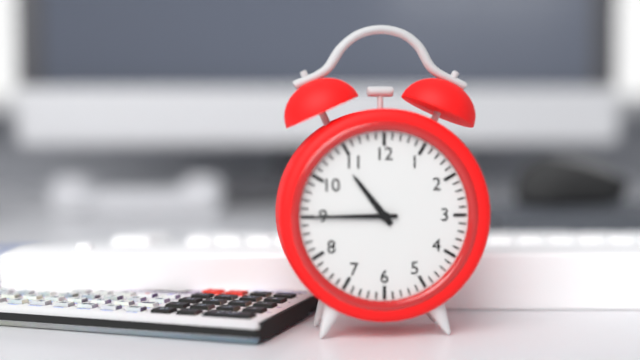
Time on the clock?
10:45
